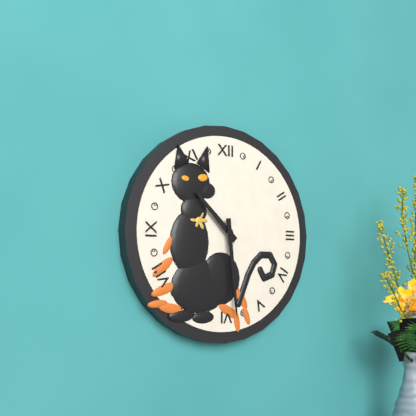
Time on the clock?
10:29
